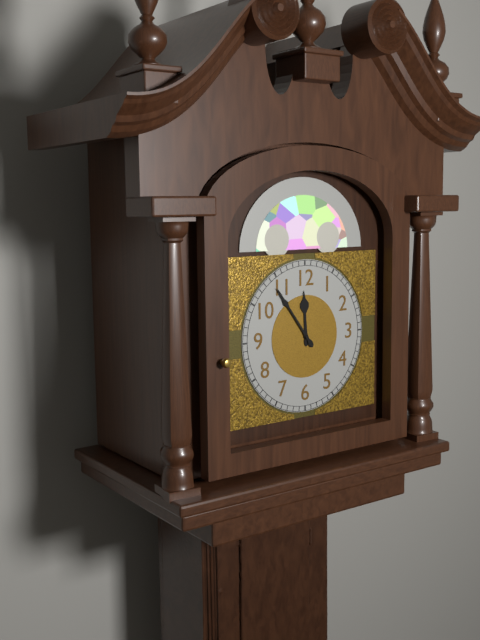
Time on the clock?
11:54
